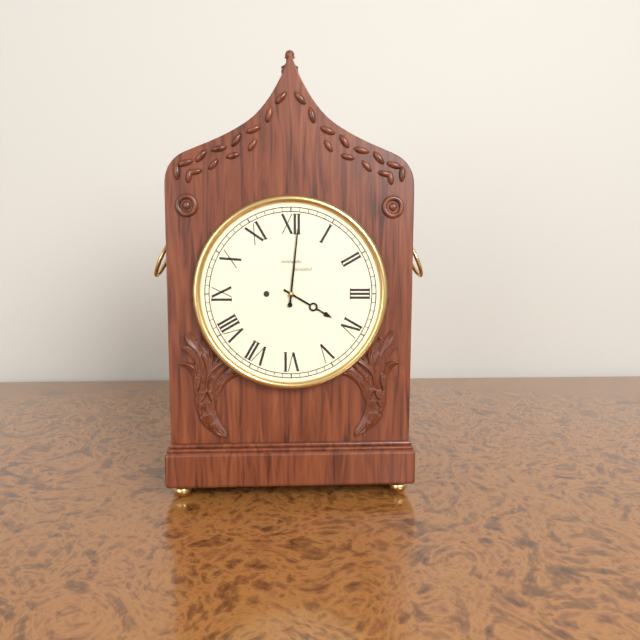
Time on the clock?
4:01
